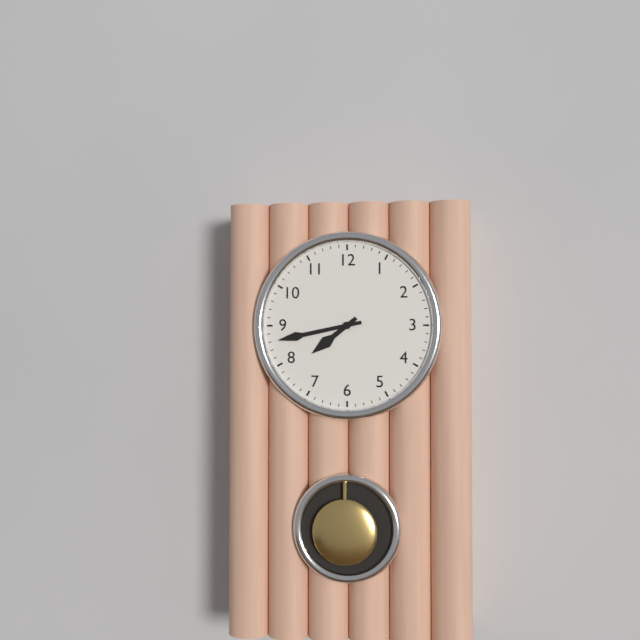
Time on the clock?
7:43
